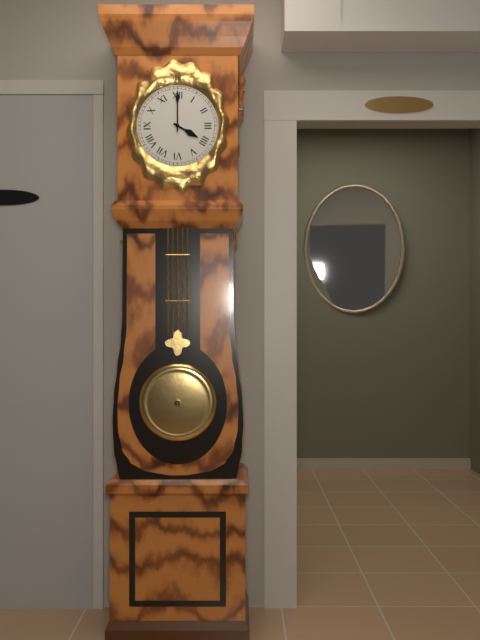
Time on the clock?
4:00
